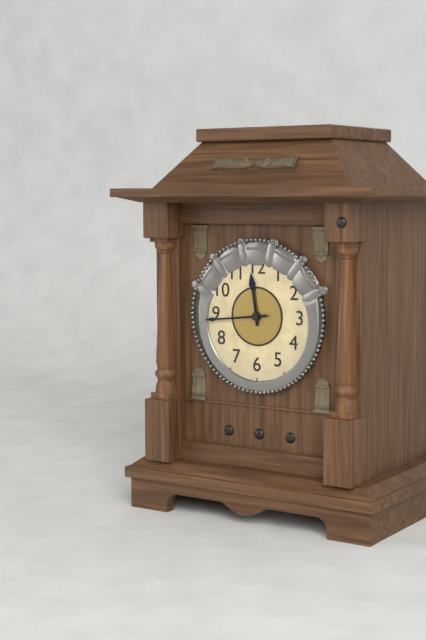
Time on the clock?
11:44
